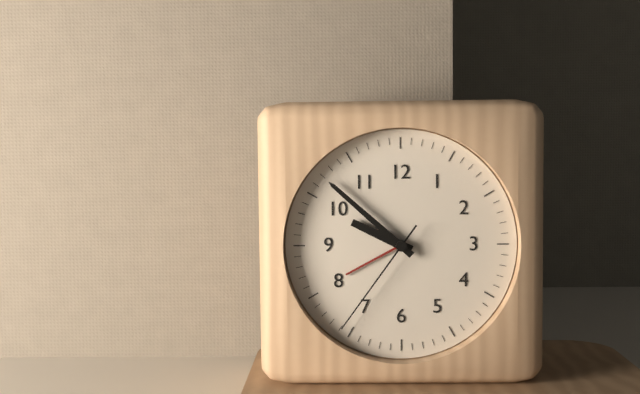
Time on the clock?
9:52:36
